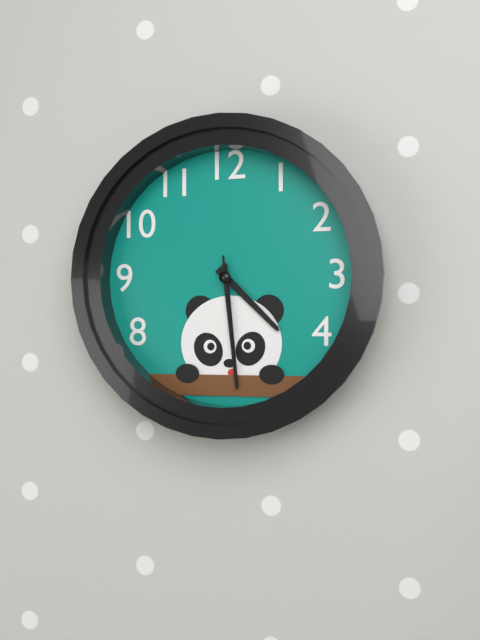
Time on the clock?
4:29:29
